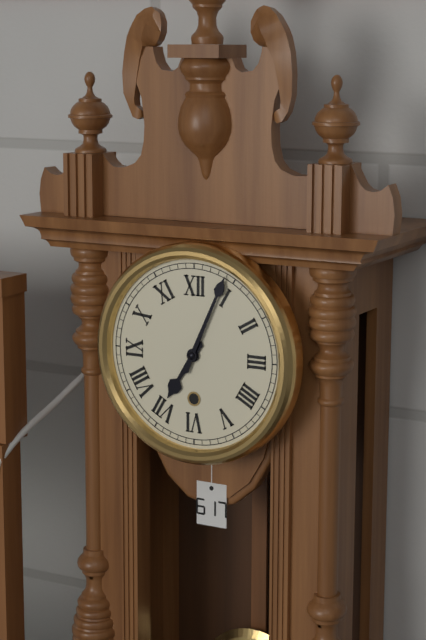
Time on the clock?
7:04
